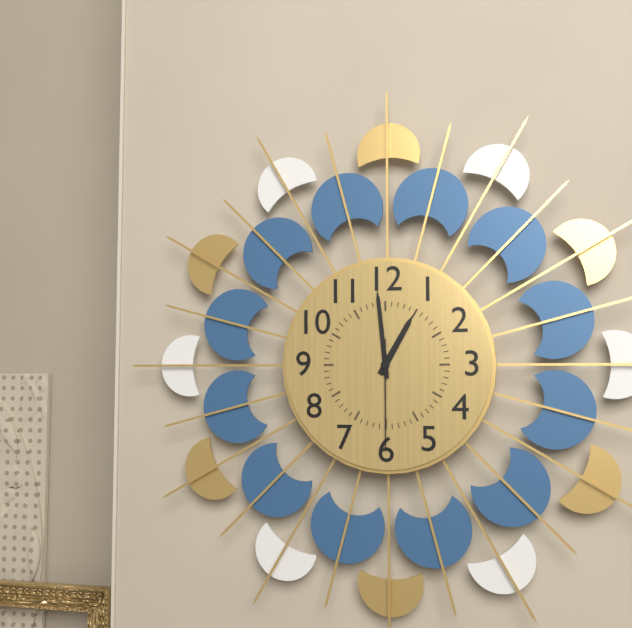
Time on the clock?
12:59:30
